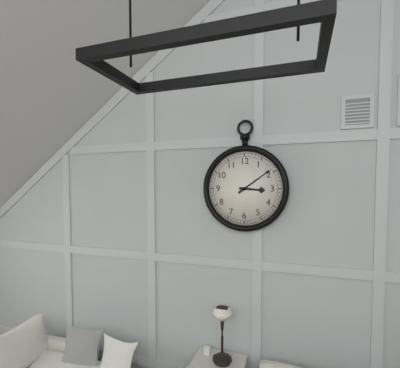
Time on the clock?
3:09
